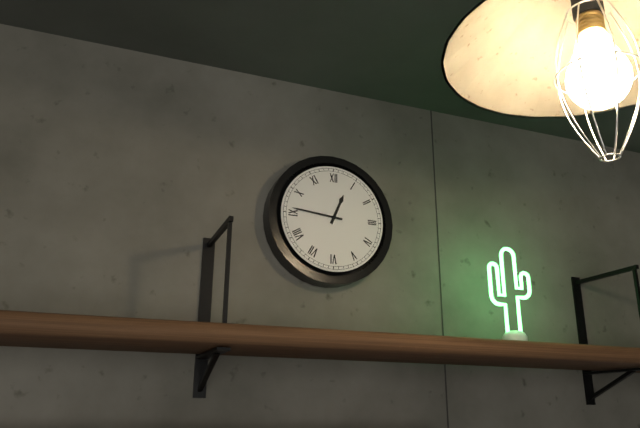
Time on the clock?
12:46
